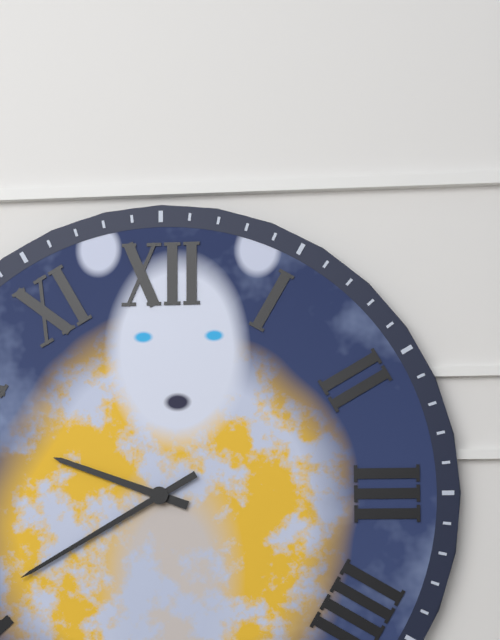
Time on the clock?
9:40
